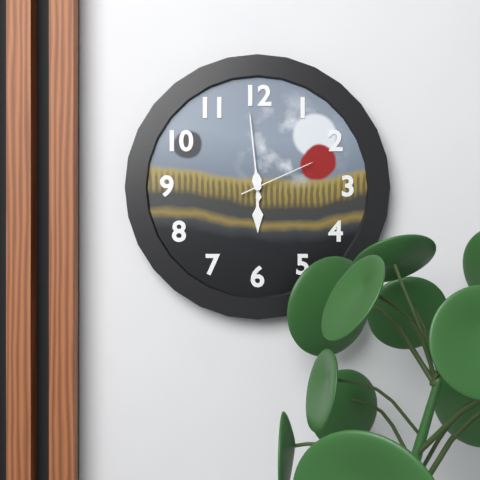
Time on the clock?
5:59:11
